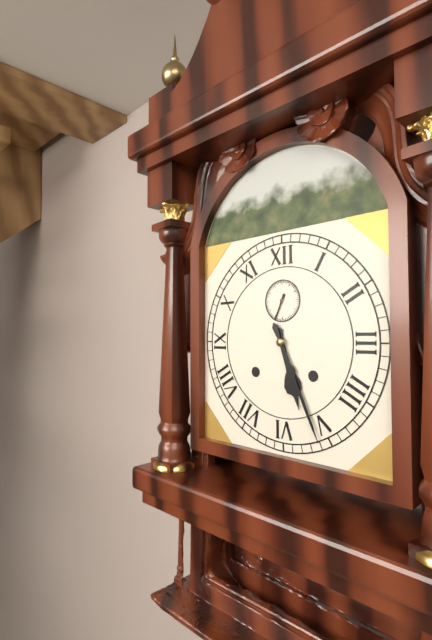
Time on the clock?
5:26
